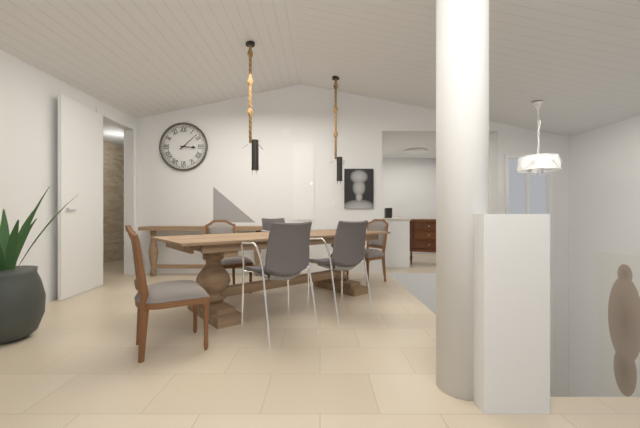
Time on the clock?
3:08
